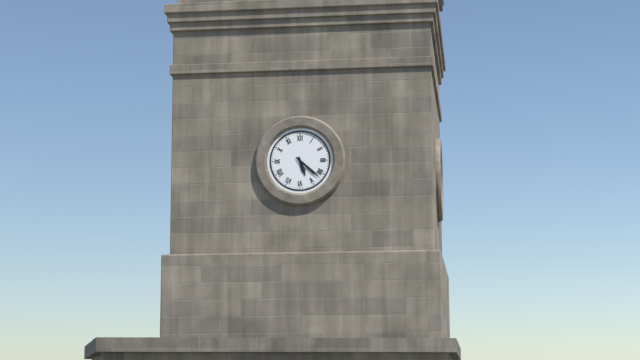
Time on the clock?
5:22
